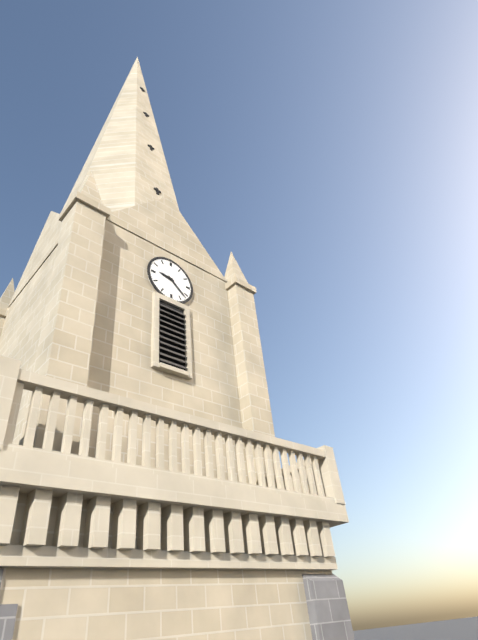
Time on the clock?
9:22
